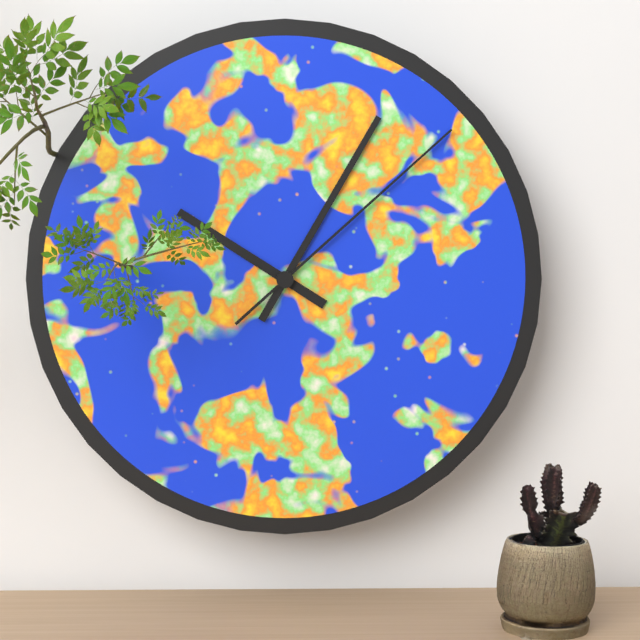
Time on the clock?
10:05:08
